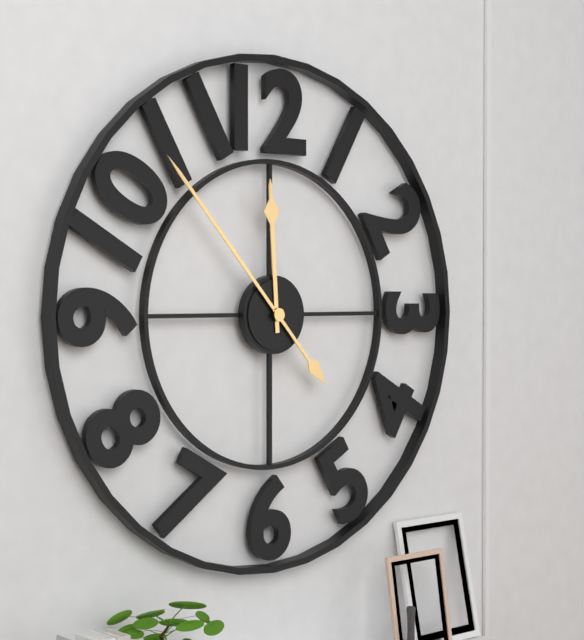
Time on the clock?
11:53
